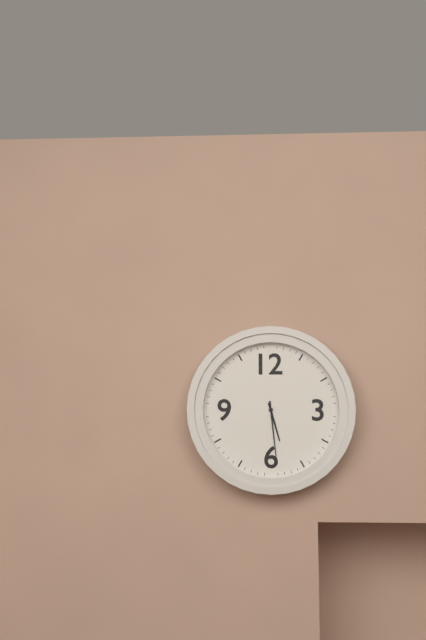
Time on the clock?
5:29
